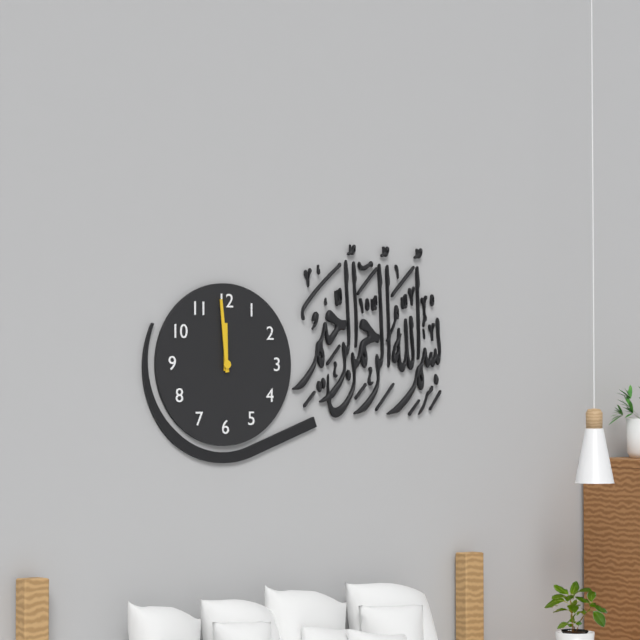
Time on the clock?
11:59
